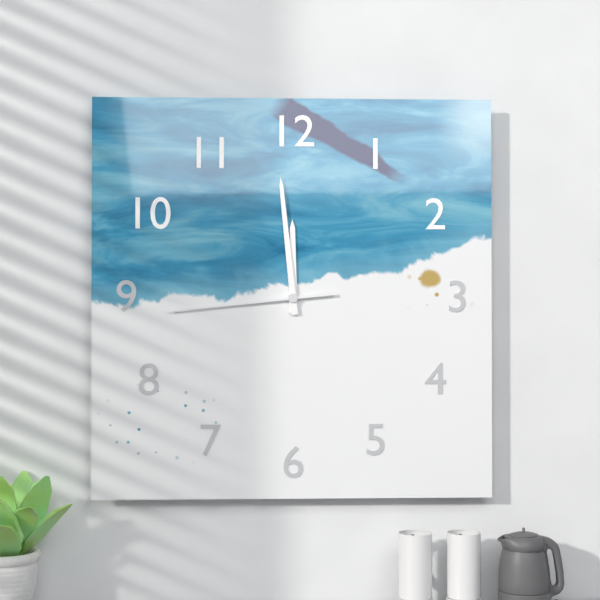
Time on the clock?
11:59:44
